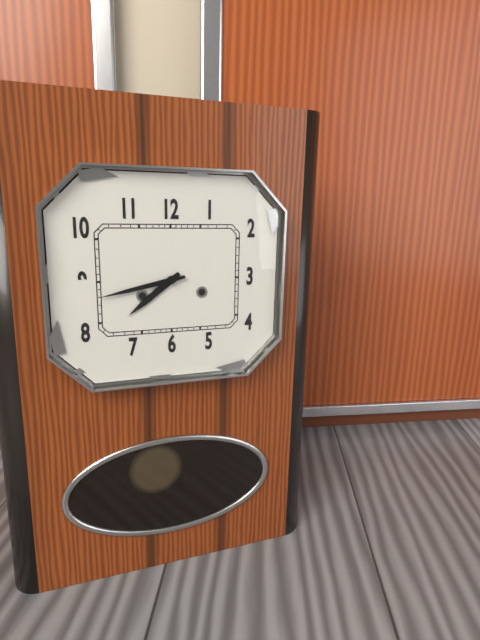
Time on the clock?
7:43
